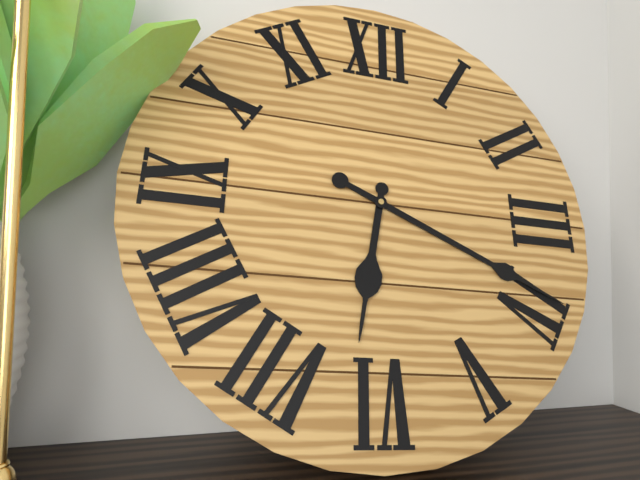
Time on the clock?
6:19
